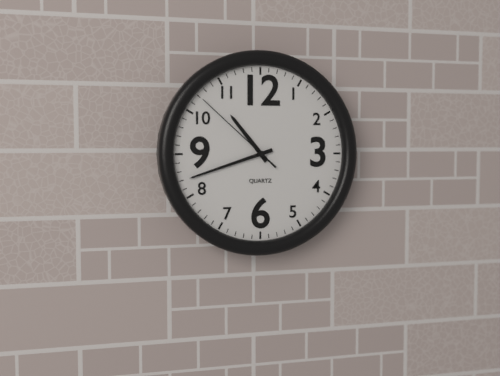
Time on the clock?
10:42:52
